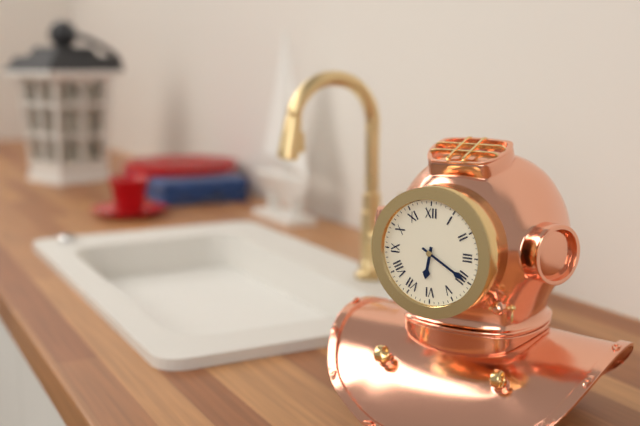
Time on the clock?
6:20
